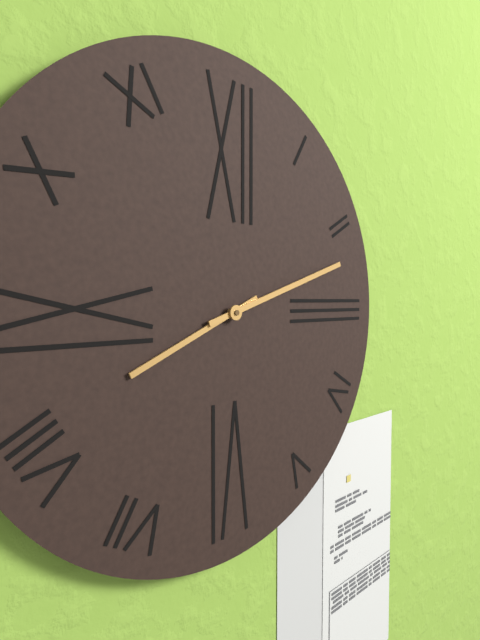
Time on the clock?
8:12
